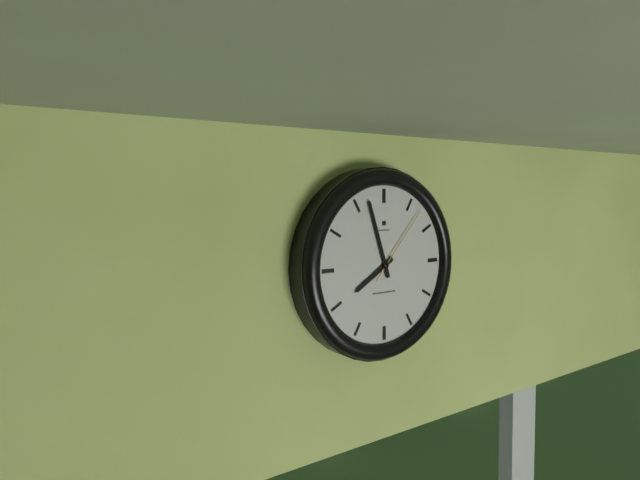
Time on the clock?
7:57:07
